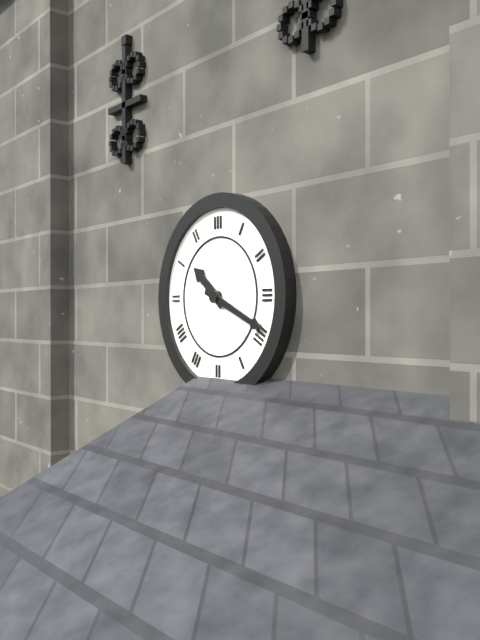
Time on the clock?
10:19
